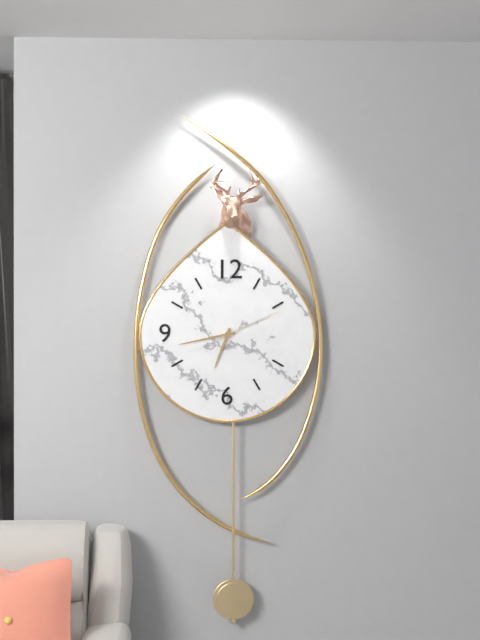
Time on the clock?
6:43:11
